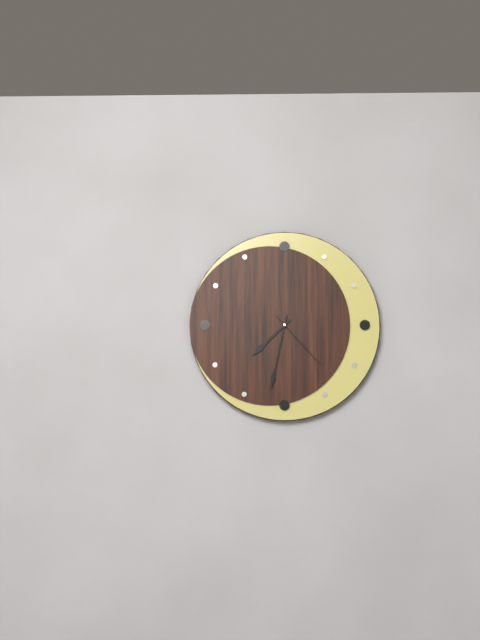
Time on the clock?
7:32:23
